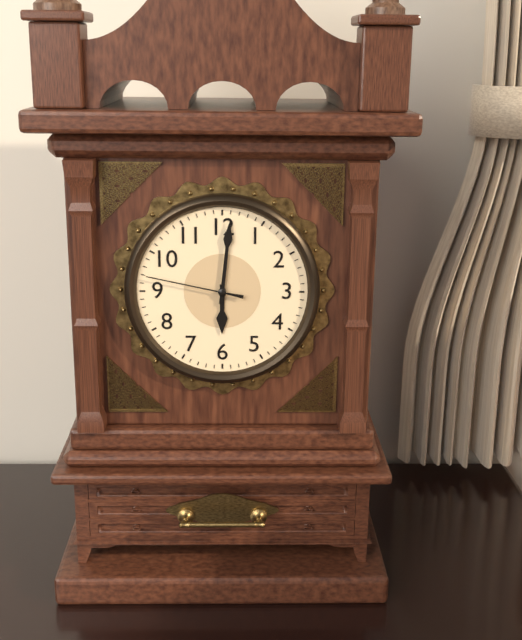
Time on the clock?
6:01:47
